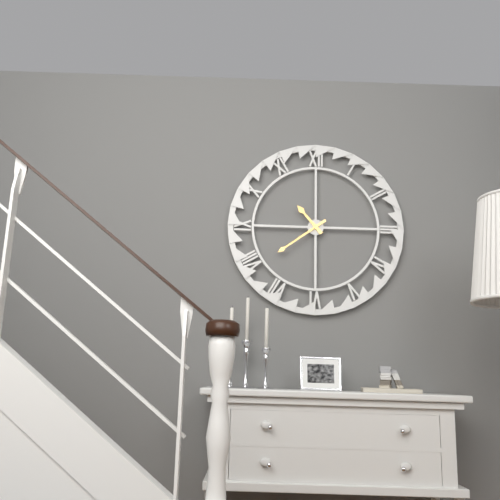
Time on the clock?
10:39
